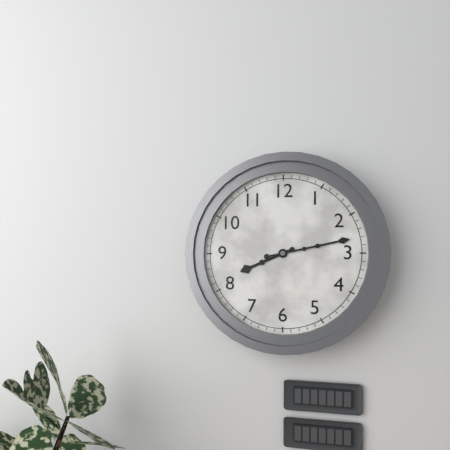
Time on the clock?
8:13
